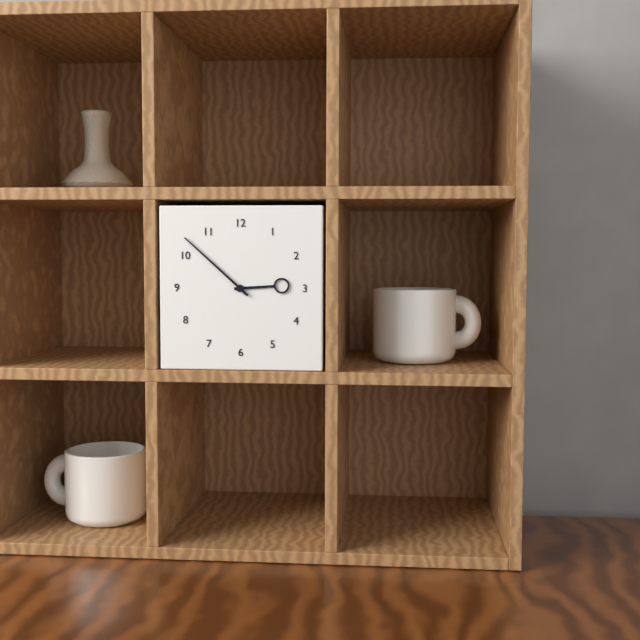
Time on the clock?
2:52
